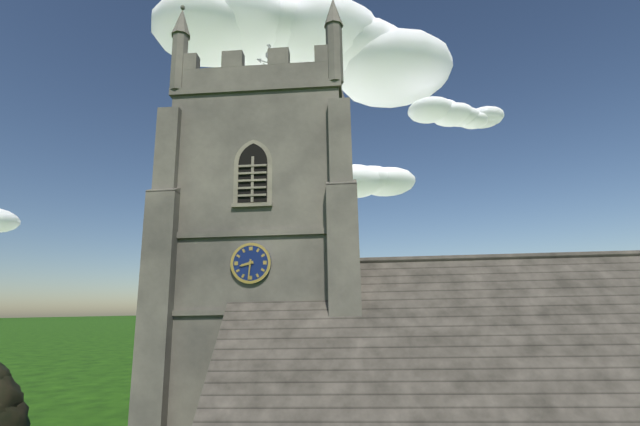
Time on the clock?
8:31
